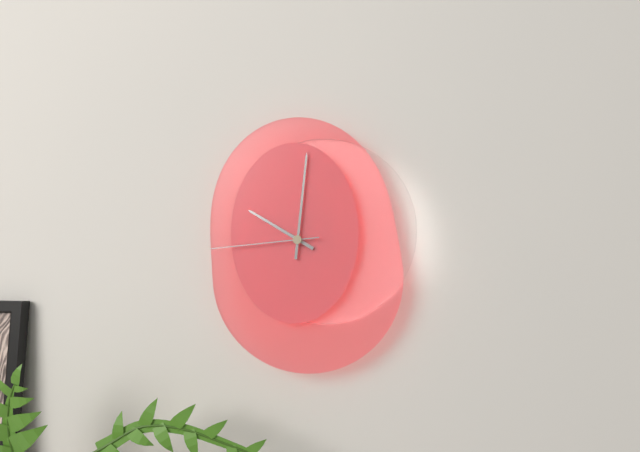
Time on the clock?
10:01:44
